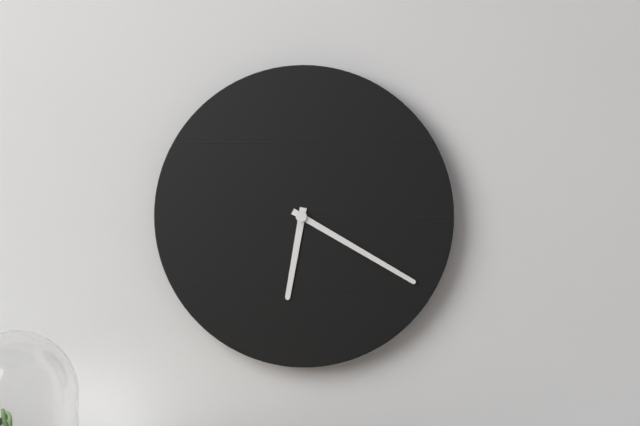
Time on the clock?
6:20
